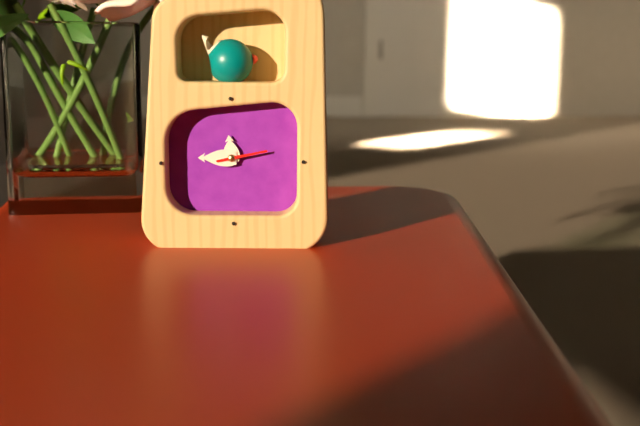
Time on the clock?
11:45
